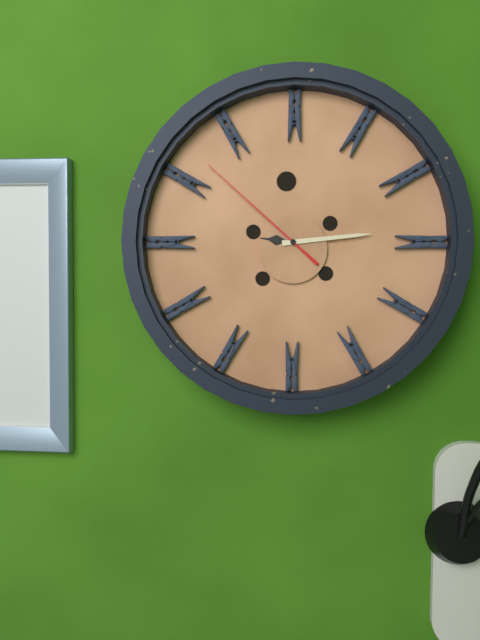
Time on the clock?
9:14:52
